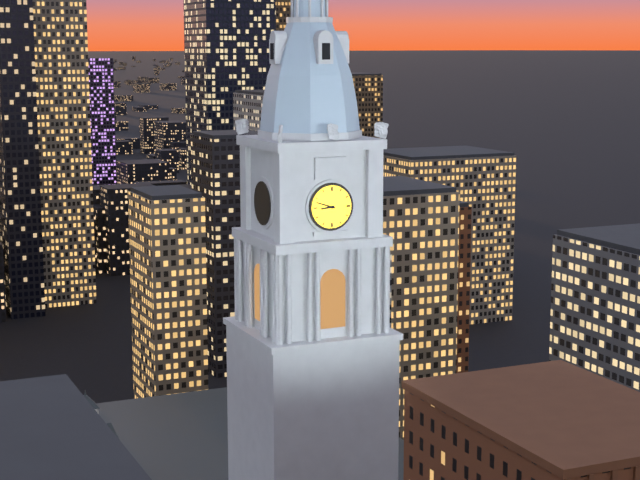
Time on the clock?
8:48
